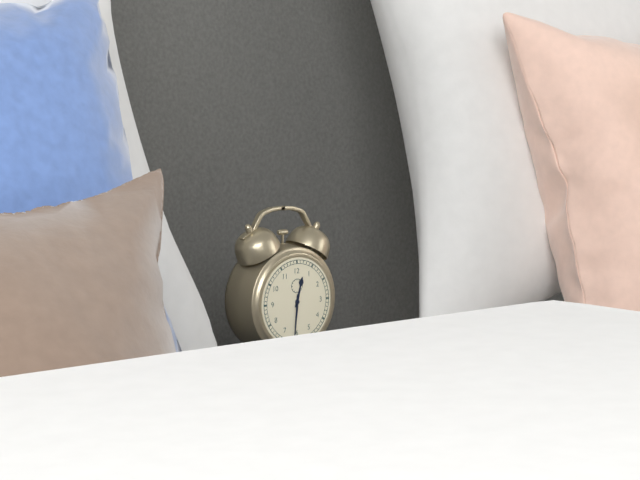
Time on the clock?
12:31
